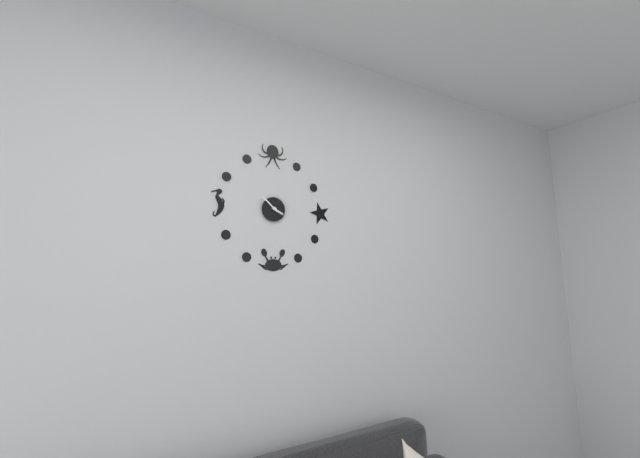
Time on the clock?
3:52
